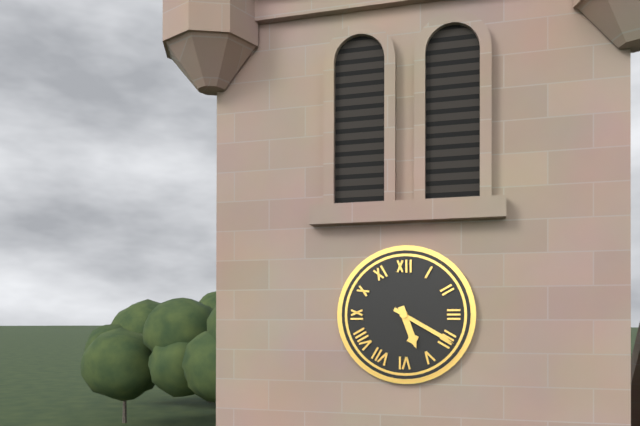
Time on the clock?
5:20
